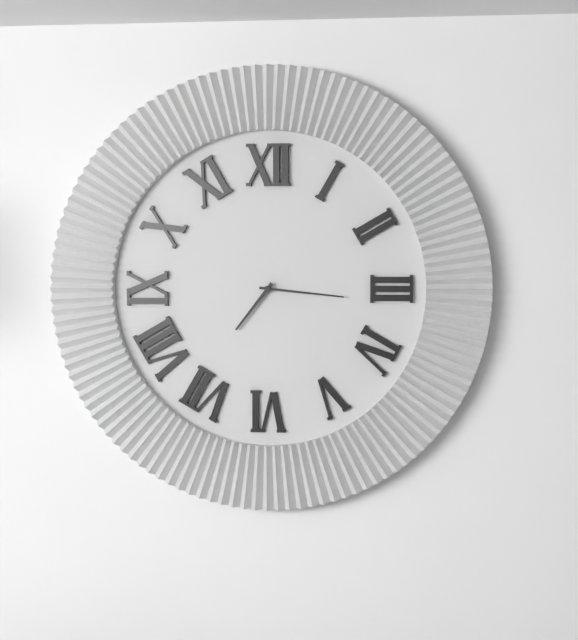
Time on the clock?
7:16
